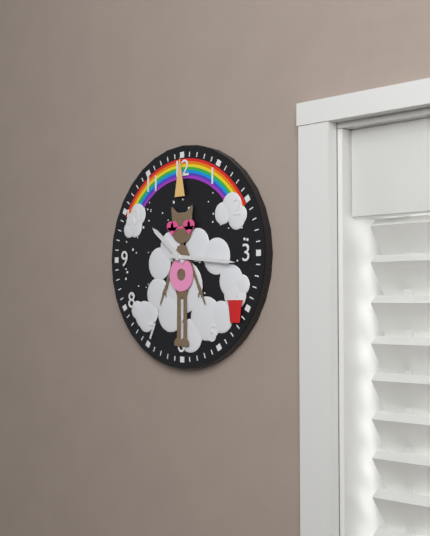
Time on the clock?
10:16
